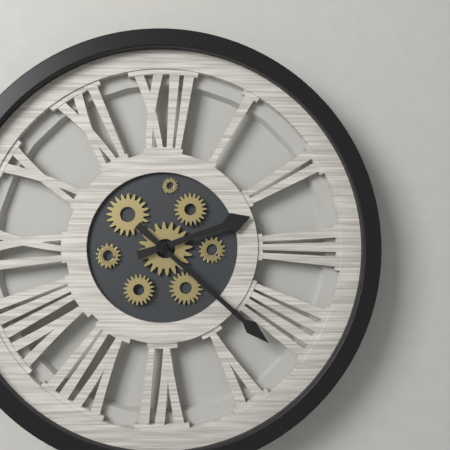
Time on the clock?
2:22
